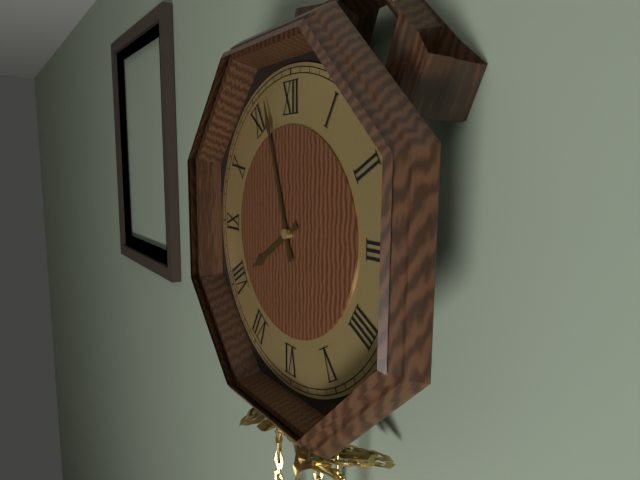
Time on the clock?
7:57
